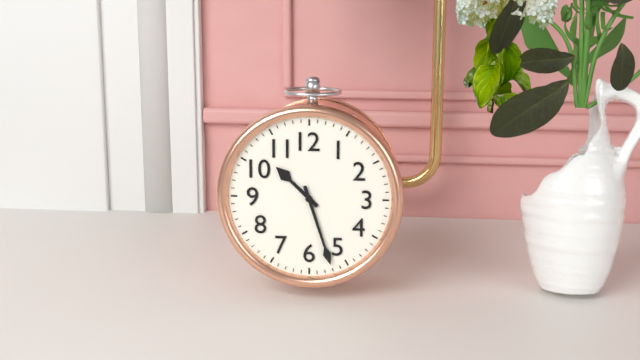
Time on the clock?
10:27
